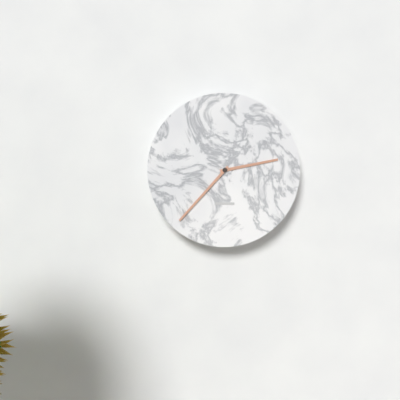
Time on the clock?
2:37
